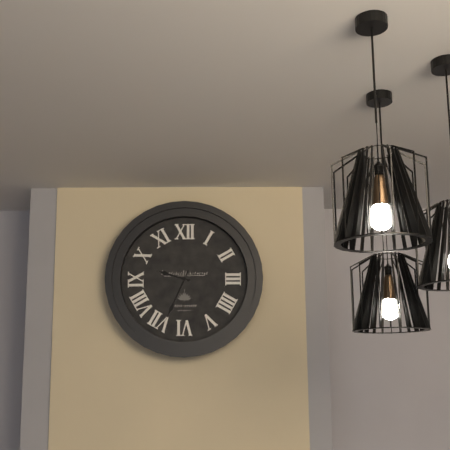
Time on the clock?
9:34
